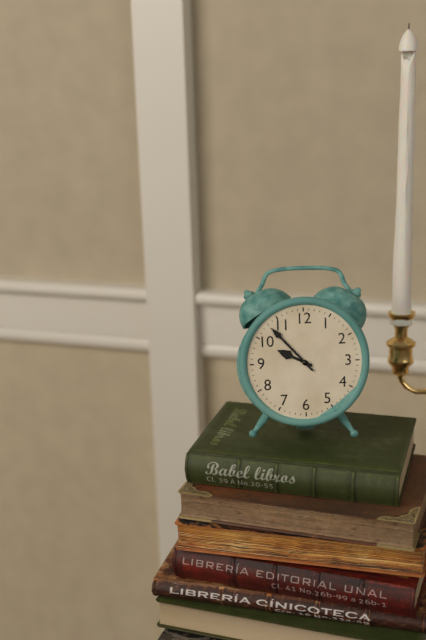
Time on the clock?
9:53
